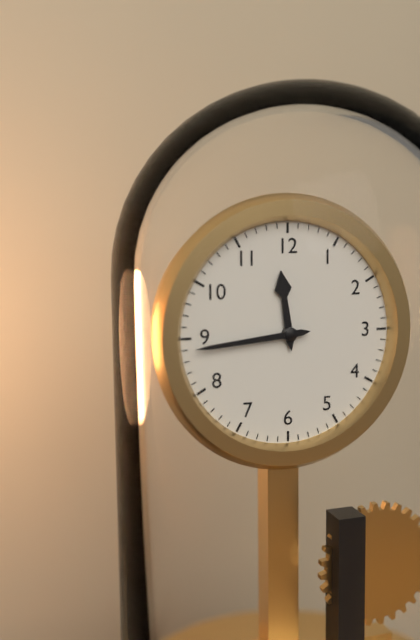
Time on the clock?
11:44
